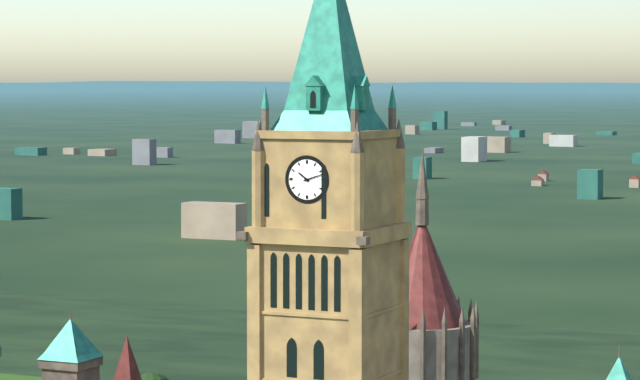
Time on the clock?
10:12
